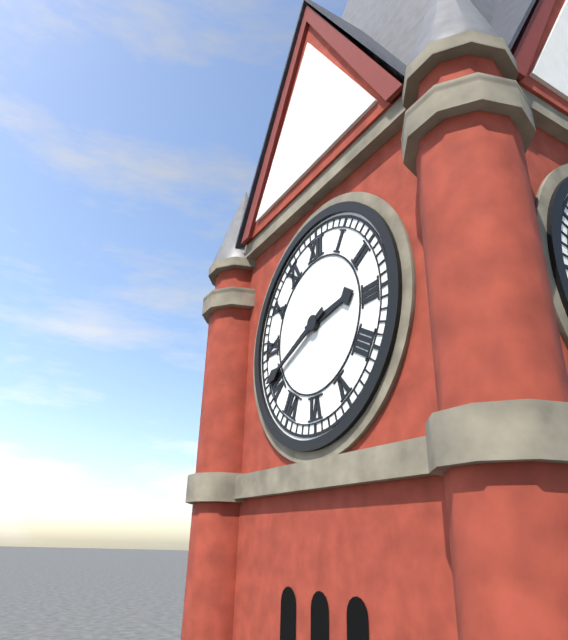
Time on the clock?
2:41
